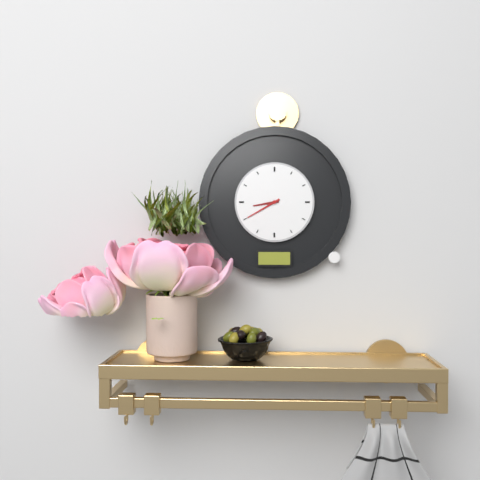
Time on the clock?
8:40
